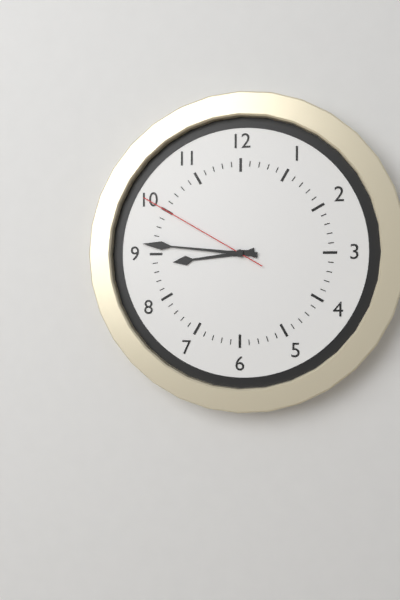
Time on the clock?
8:46:50
